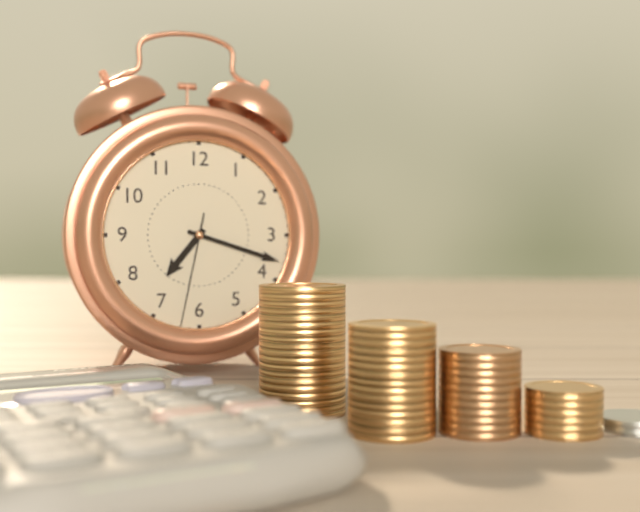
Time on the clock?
7:18:32
